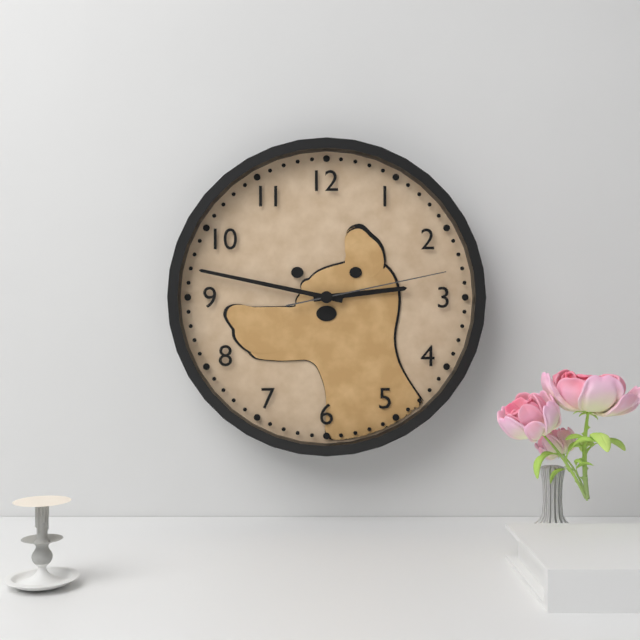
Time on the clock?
2:47:13
